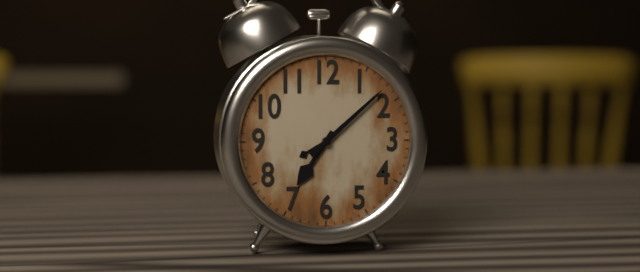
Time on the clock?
7:08
